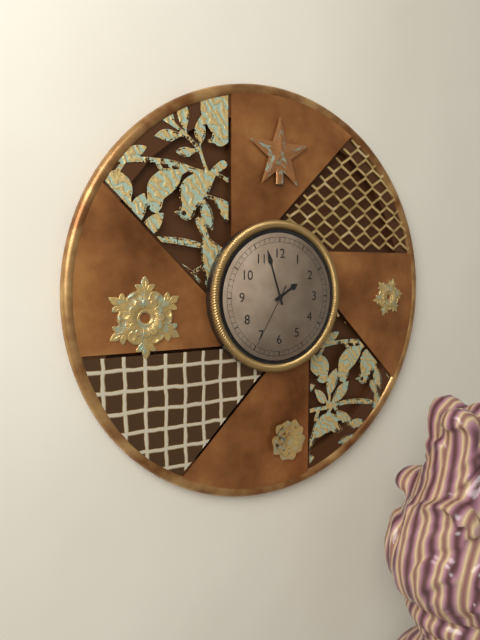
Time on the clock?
1:57:35
